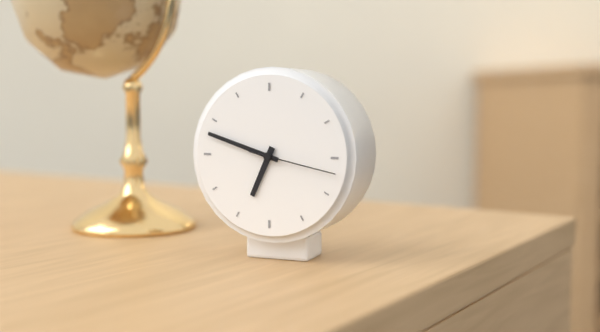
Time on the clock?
6:48:17
